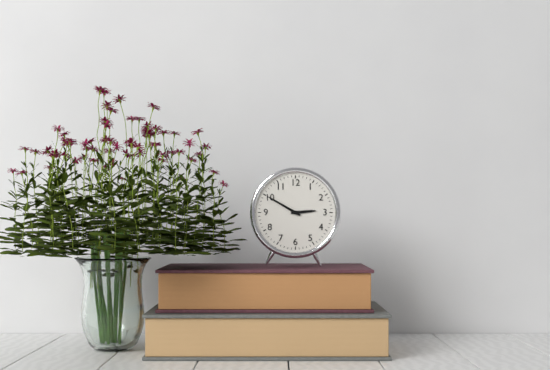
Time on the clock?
2:50
